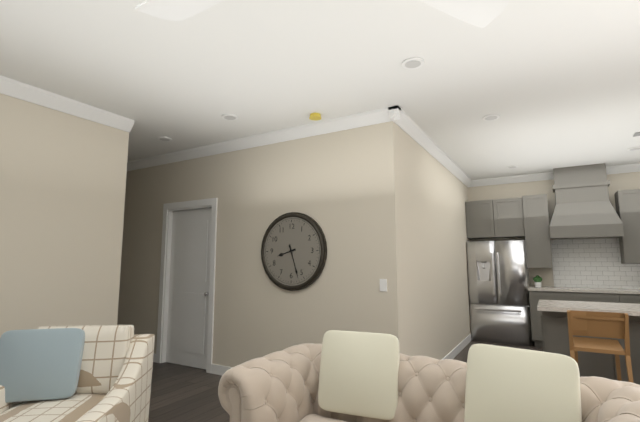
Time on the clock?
8:27
